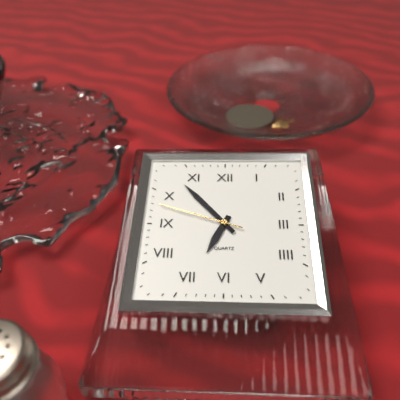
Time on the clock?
6:53:48
